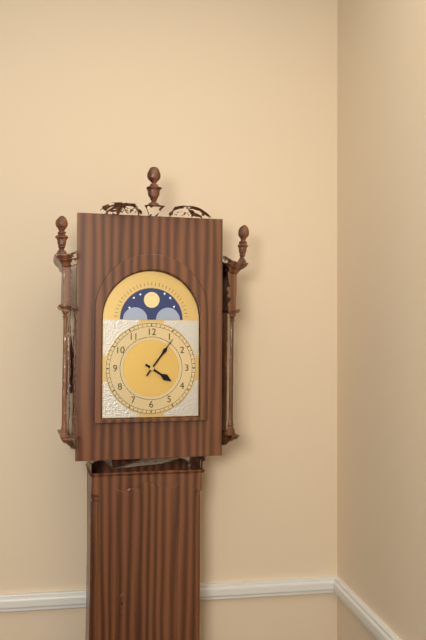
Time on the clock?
4:06
